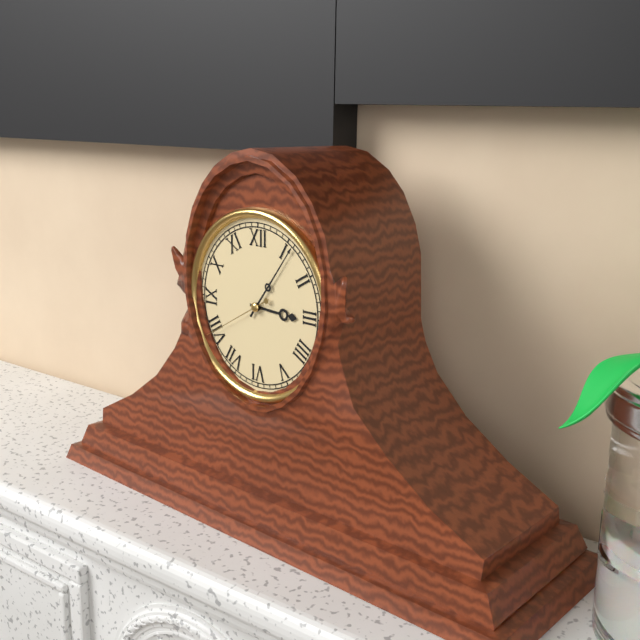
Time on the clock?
3:06:40
